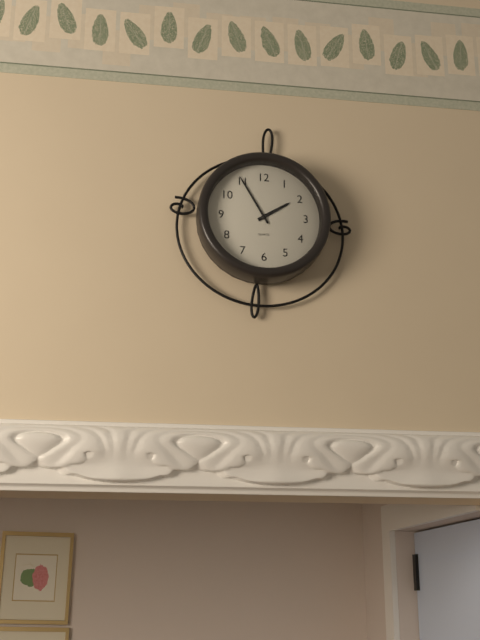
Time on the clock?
1:55
